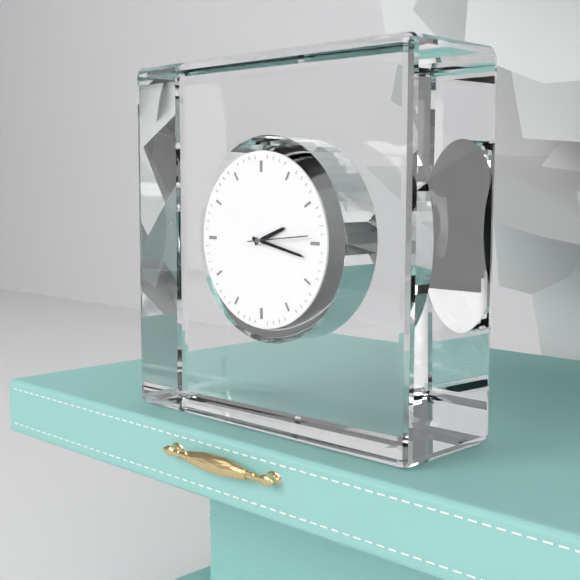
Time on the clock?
2:17:14
